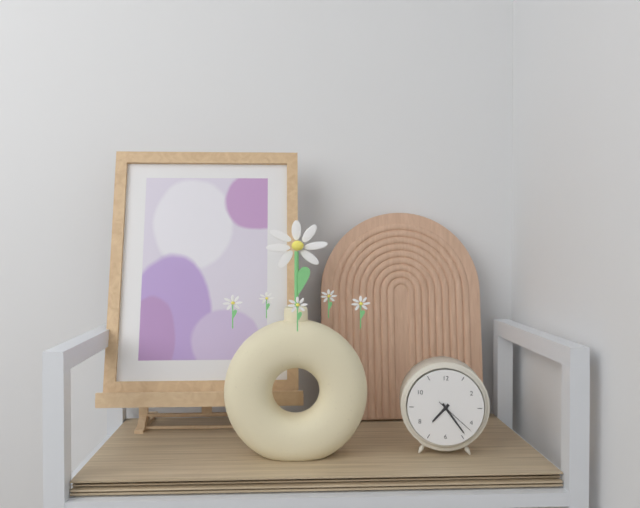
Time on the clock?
7:24
